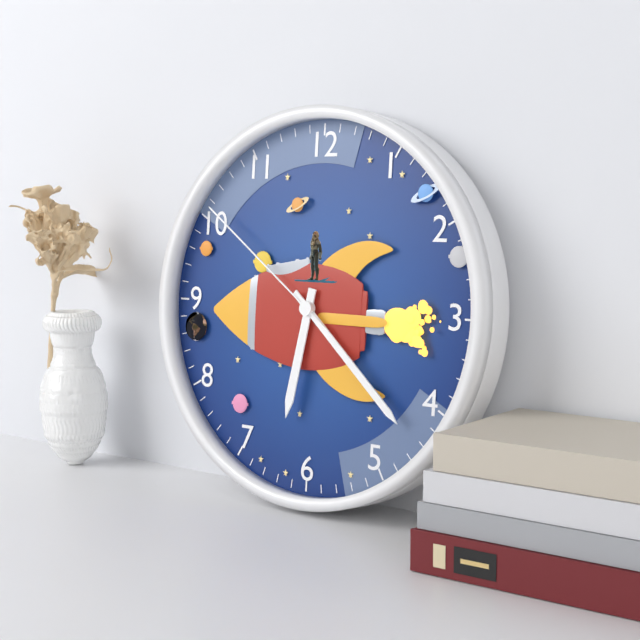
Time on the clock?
6:22:51
